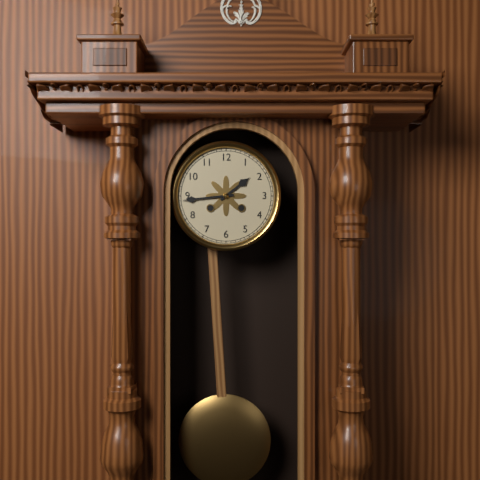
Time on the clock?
1:44
